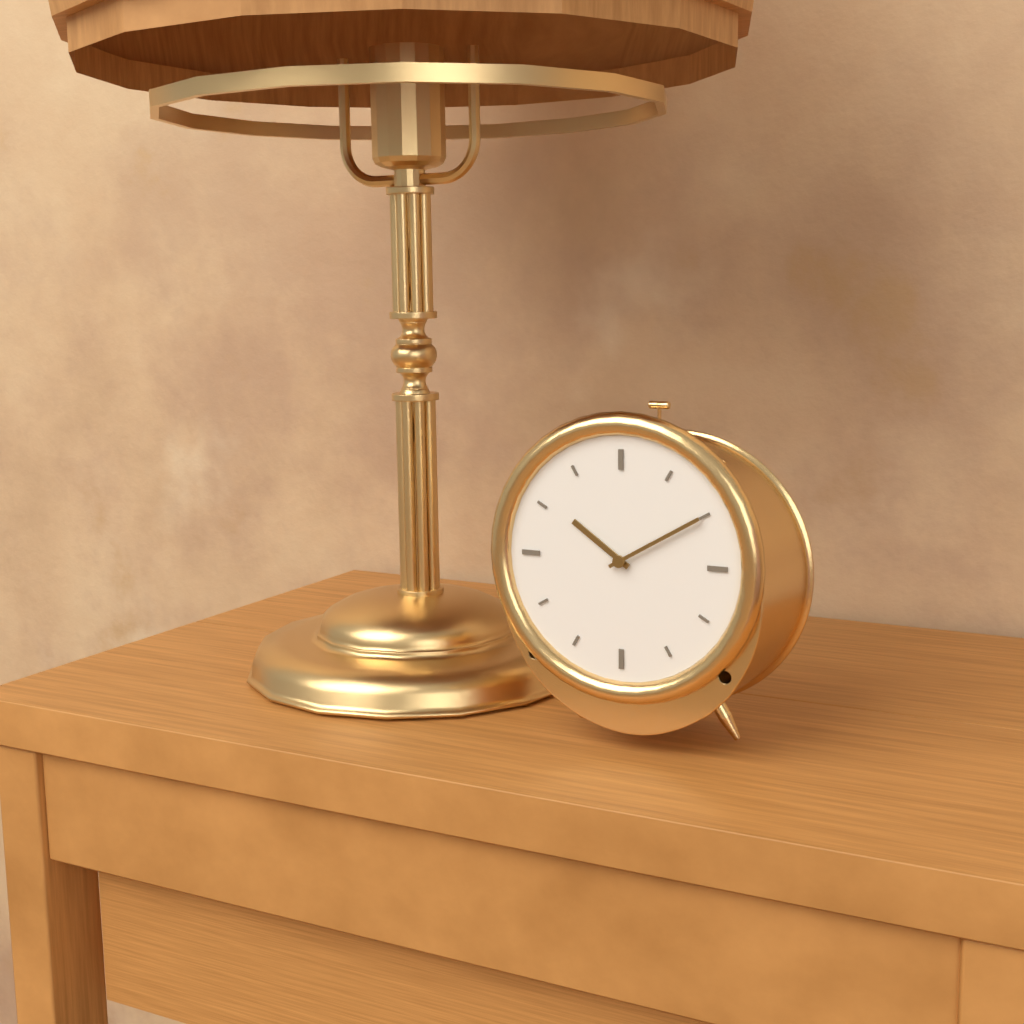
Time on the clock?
10:10
